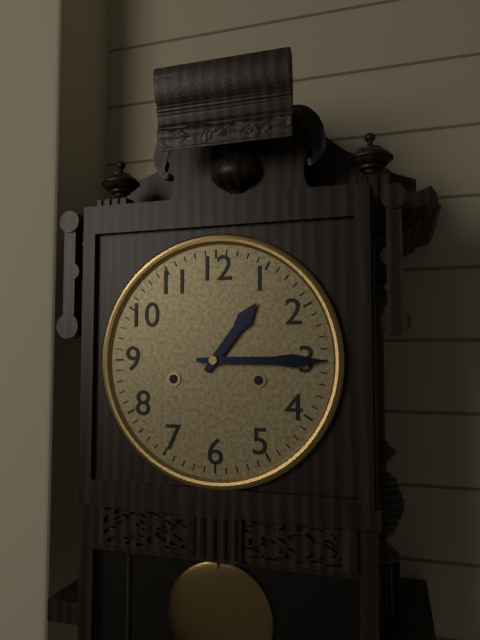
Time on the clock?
1:15
